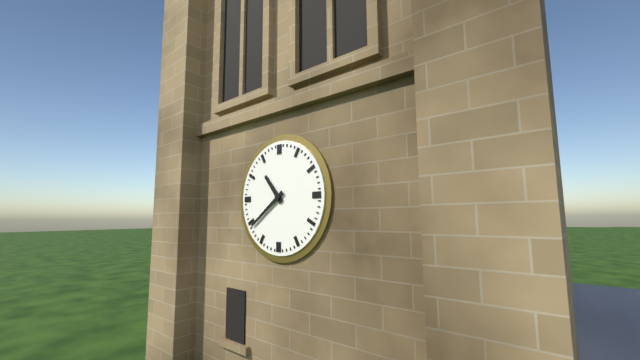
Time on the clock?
10:39
